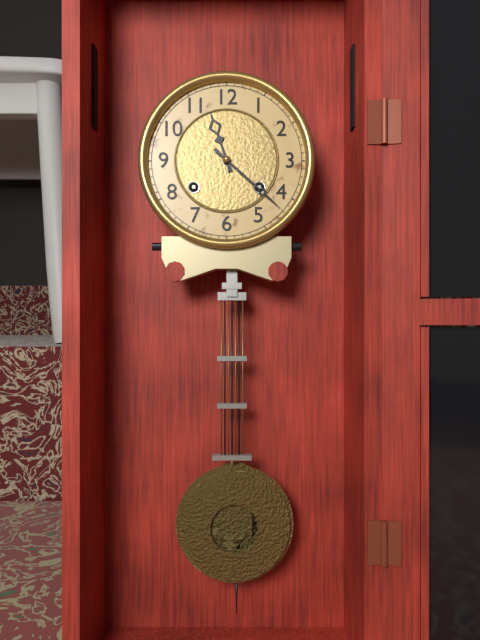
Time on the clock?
11:22
